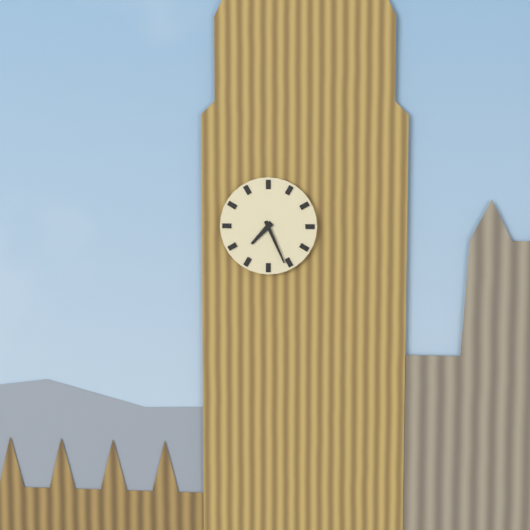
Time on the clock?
7:26
